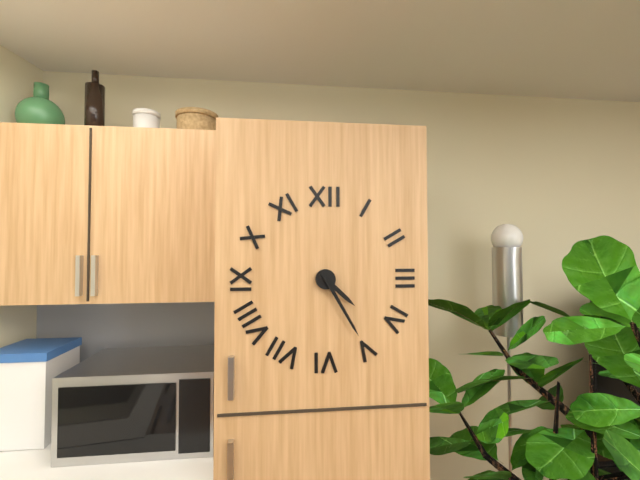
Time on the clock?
4:25
